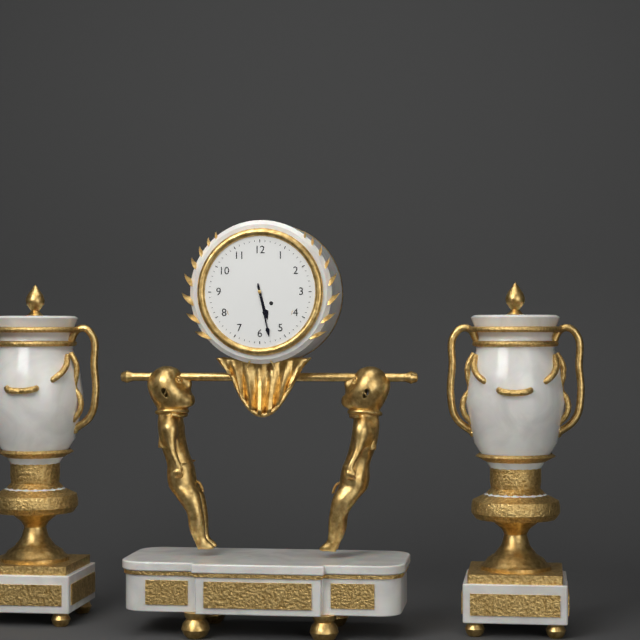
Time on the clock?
5:28
